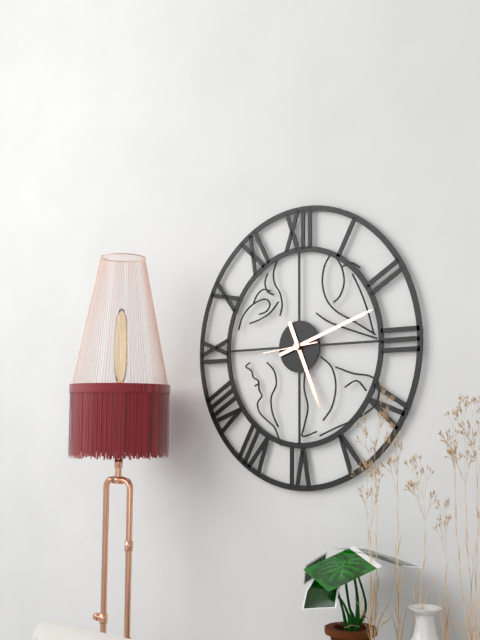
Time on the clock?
5:12
